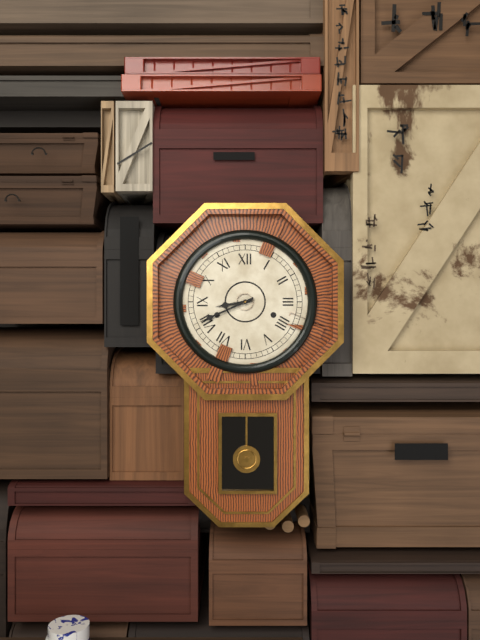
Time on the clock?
8:41
